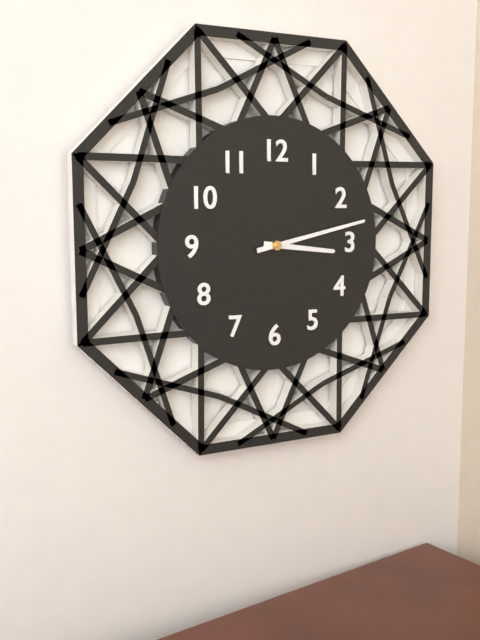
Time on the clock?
3:13
